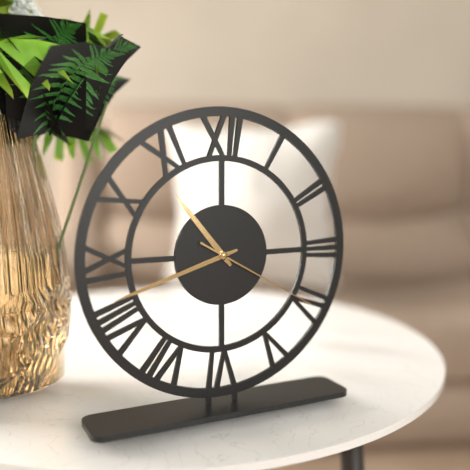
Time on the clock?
10:42:20
